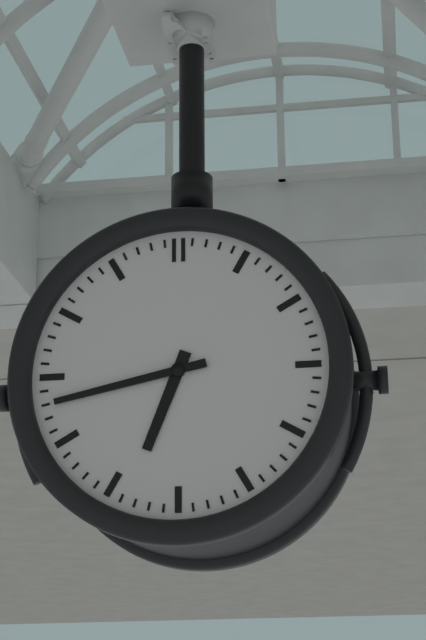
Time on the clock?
6:43
